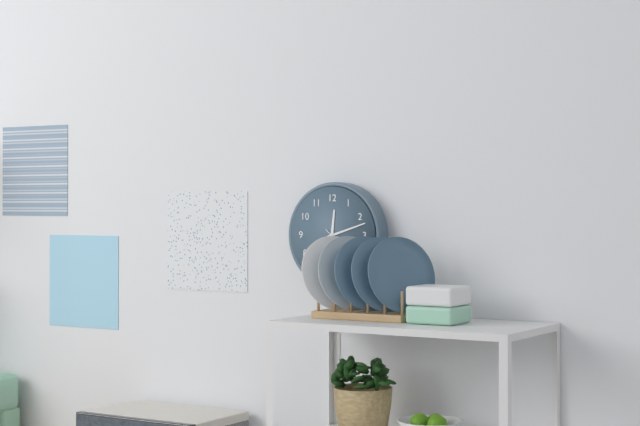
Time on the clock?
12:12
